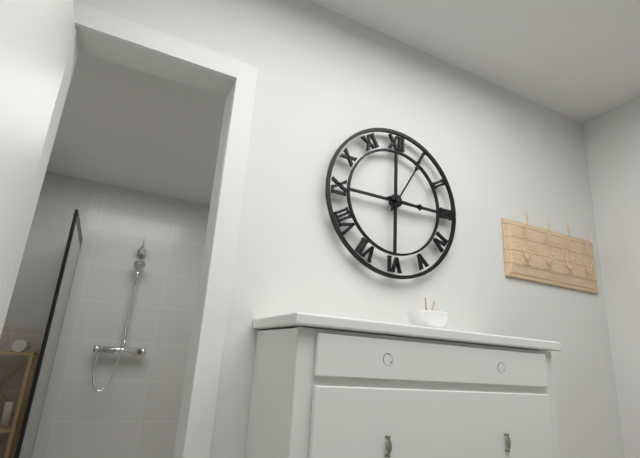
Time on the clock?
3:05
